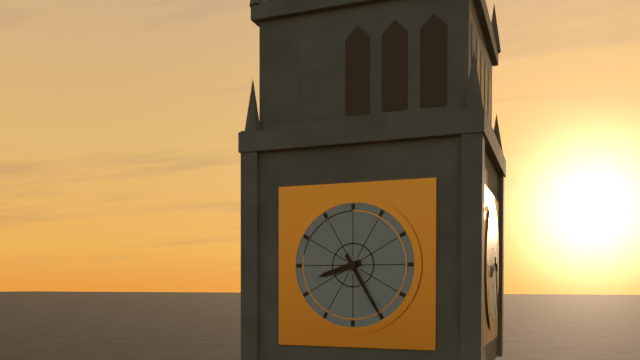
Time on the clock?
8:25
